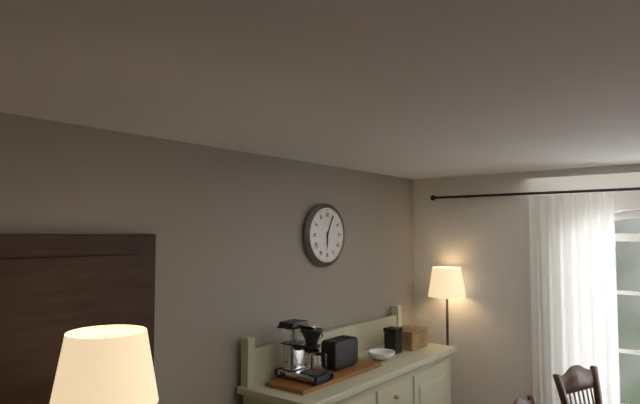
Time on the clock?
6:04
